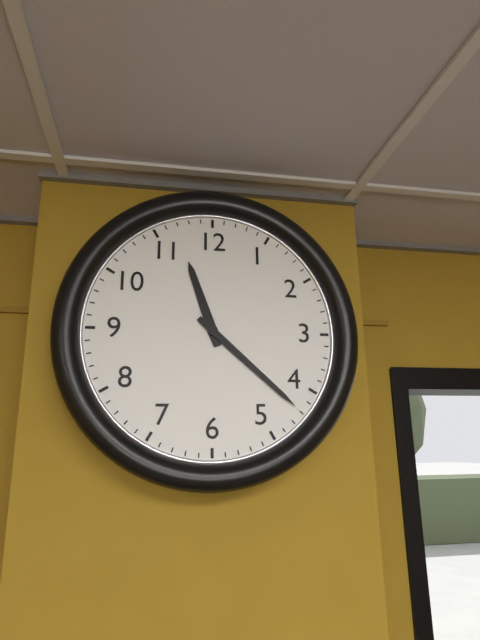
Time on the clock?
11:22
